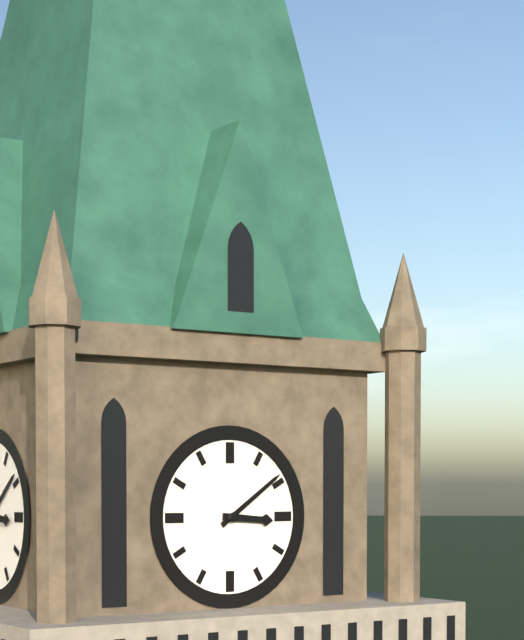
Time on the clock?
3:09
